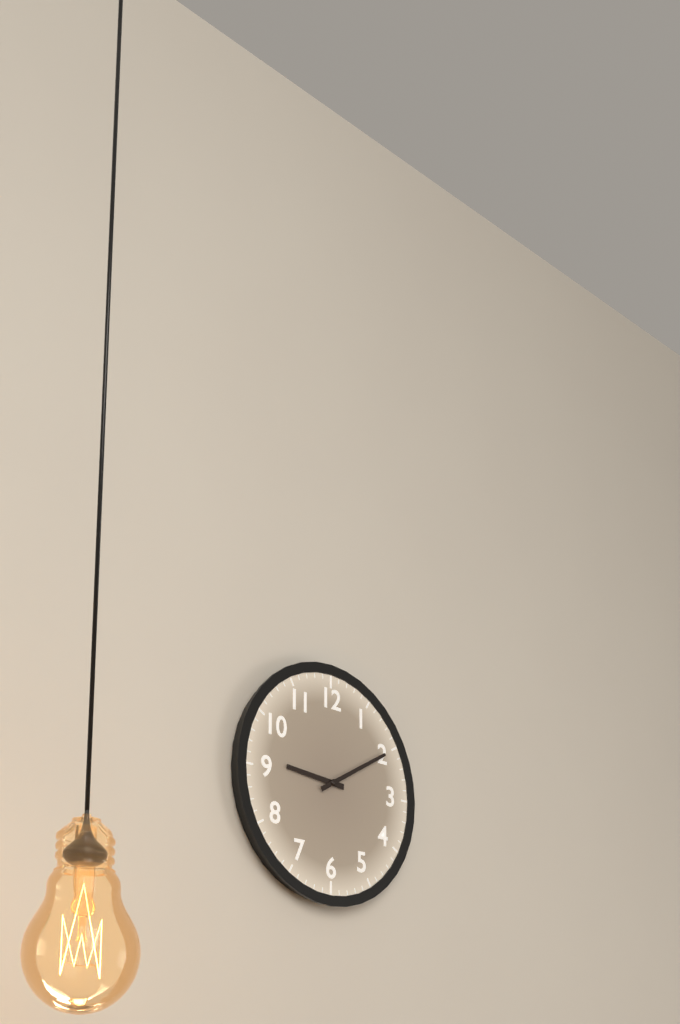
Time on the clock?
9:10
